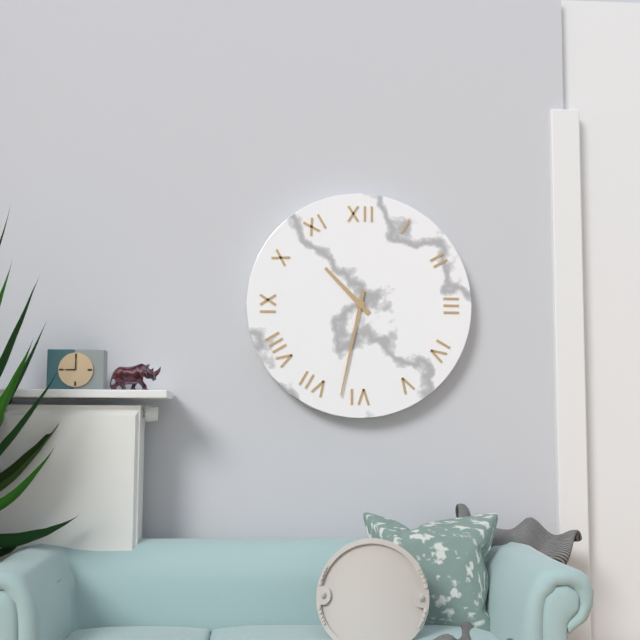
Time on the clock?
10:32
